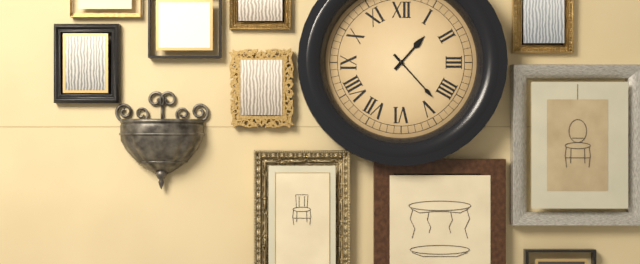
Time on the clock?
1:23
